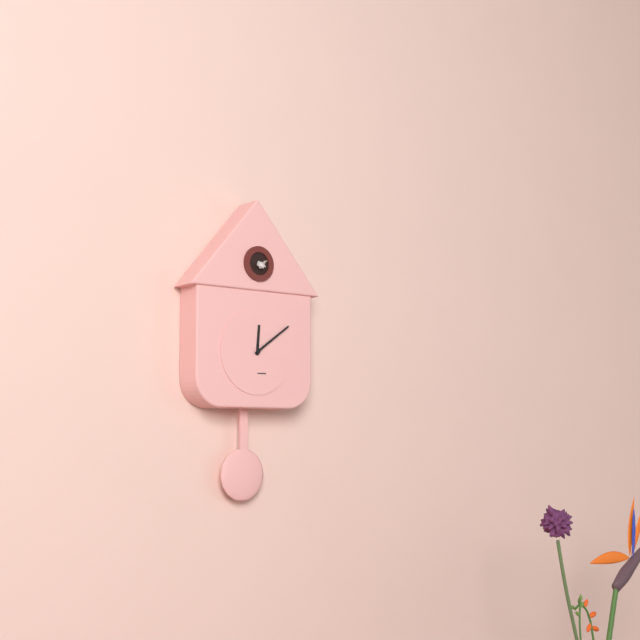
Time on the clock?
12:09
